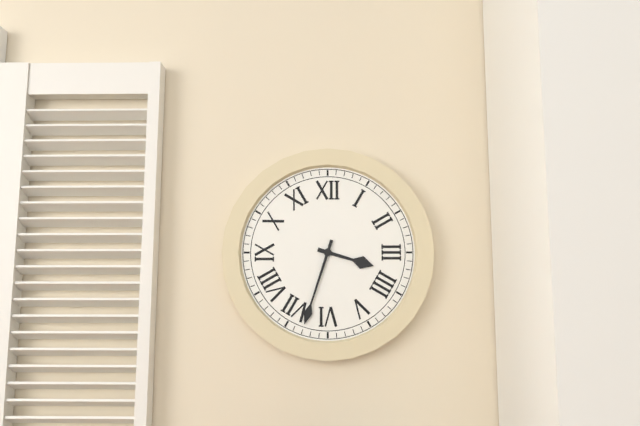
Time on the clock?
3:33
